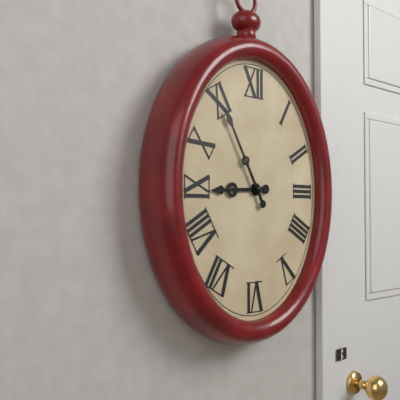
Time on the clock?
8:55
